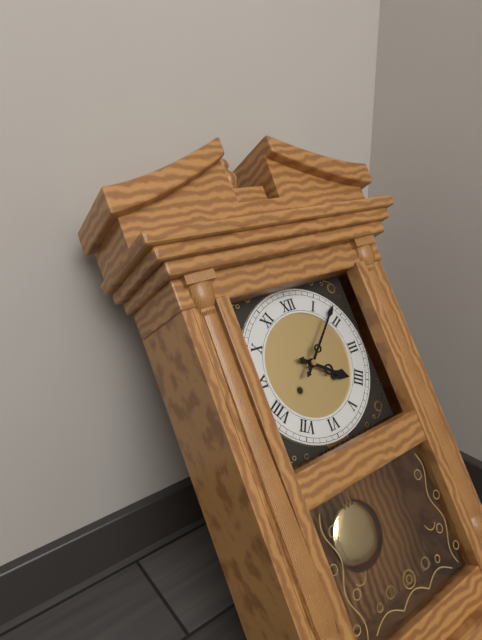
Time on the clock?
4:08
